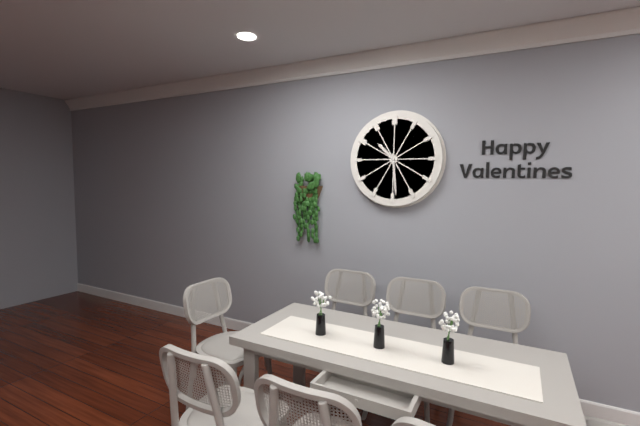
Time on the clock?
10:29
